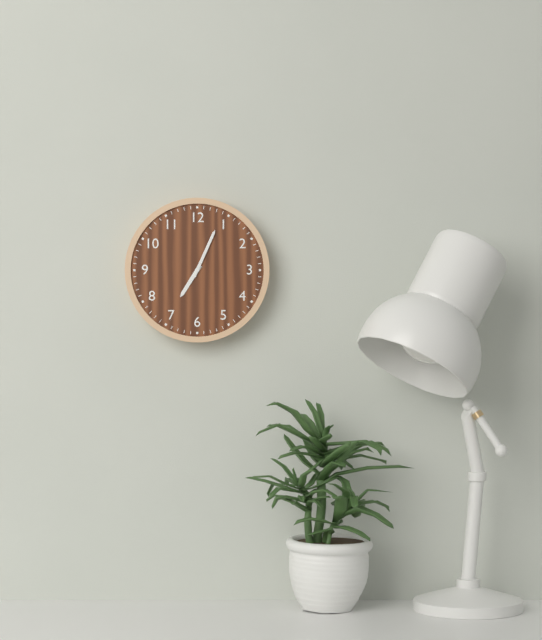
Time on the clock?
7:04
